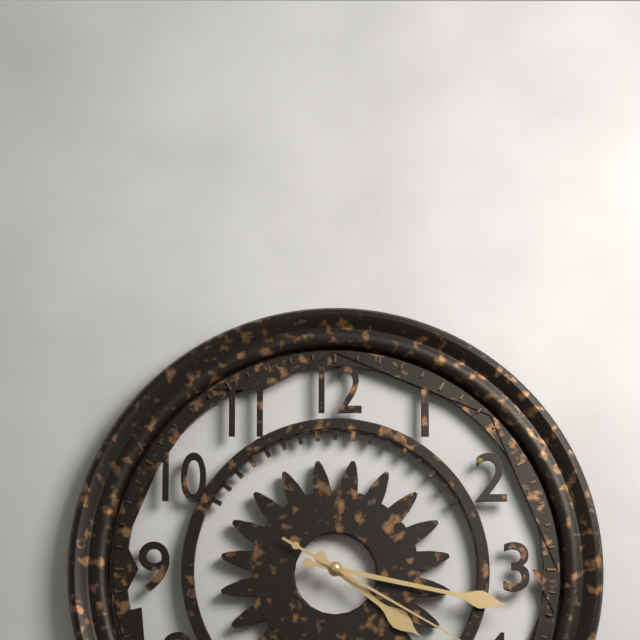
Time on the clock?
4:17
